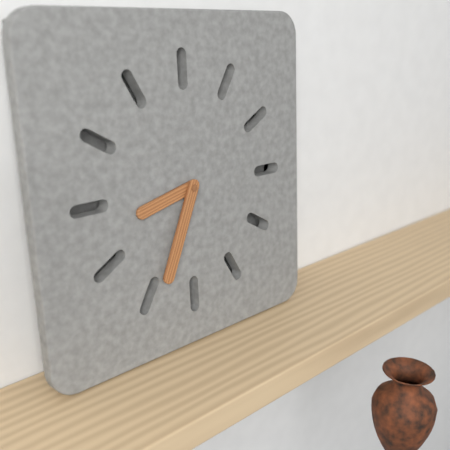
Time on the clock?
8:34
